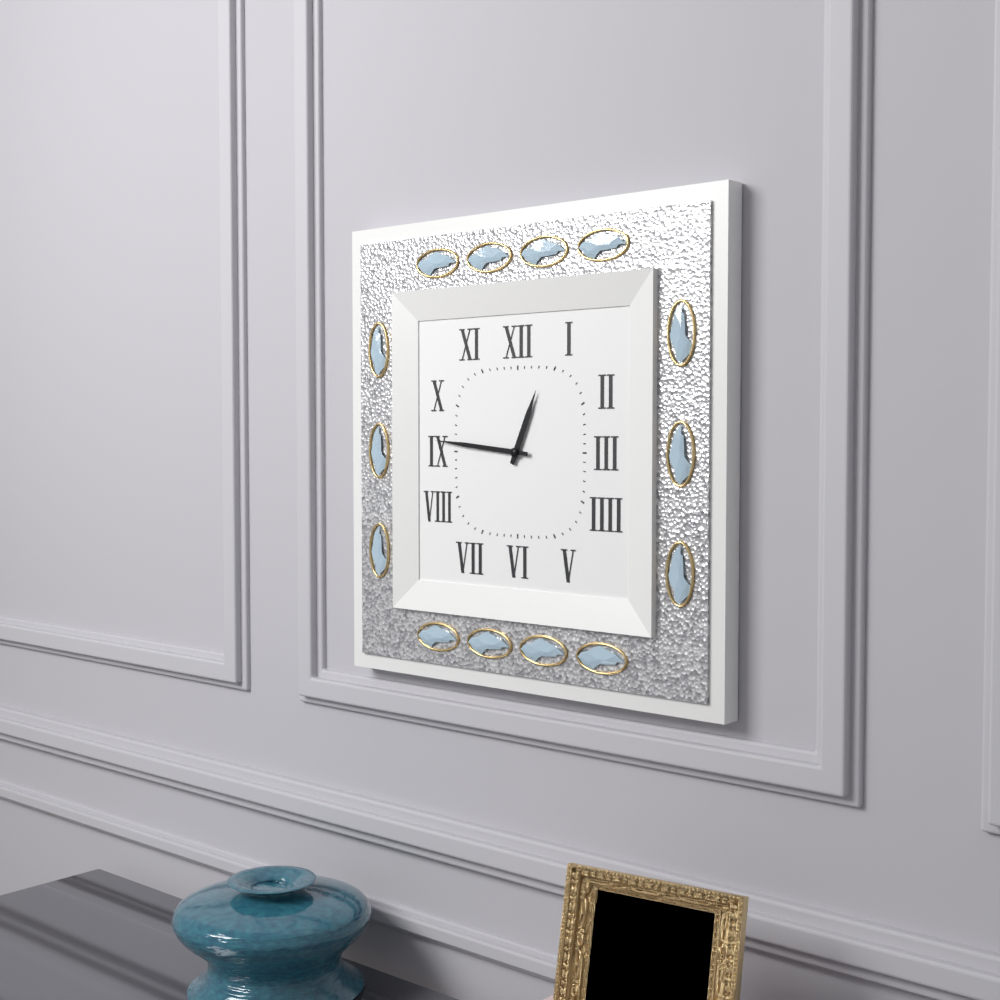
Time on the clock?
12:46
